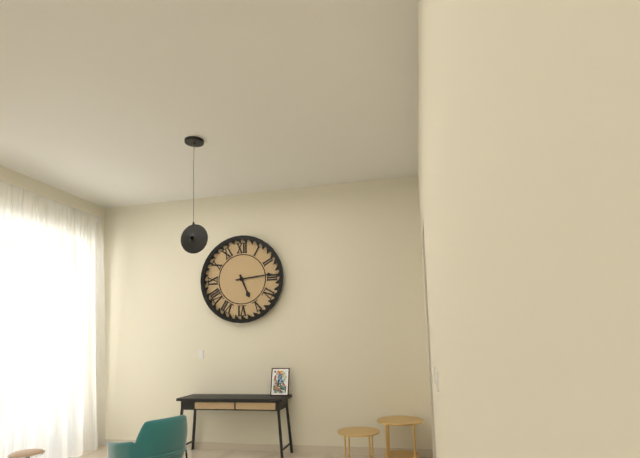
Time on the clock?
5:14
